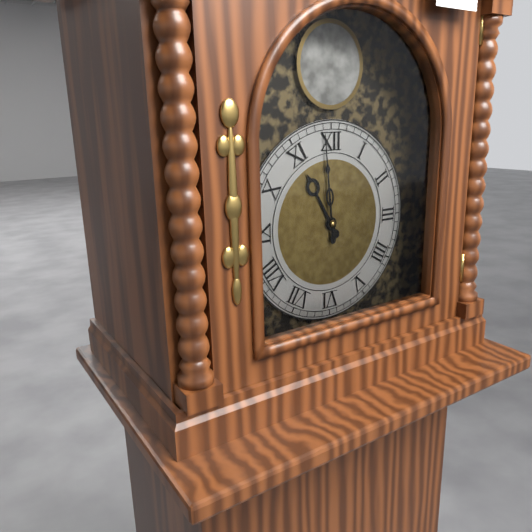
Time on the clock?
10:59
